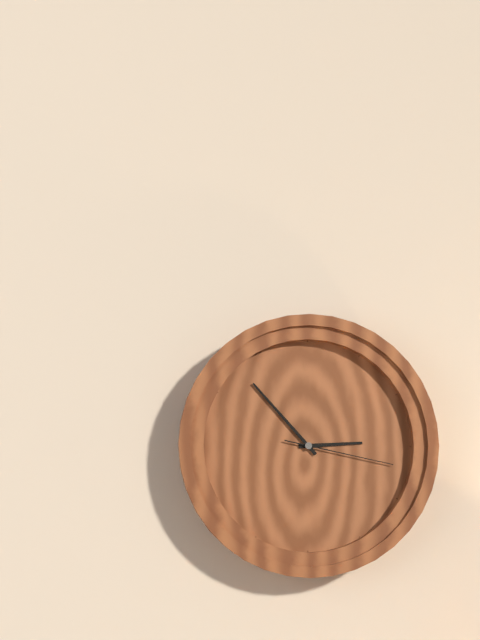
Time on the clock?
2:53:17
